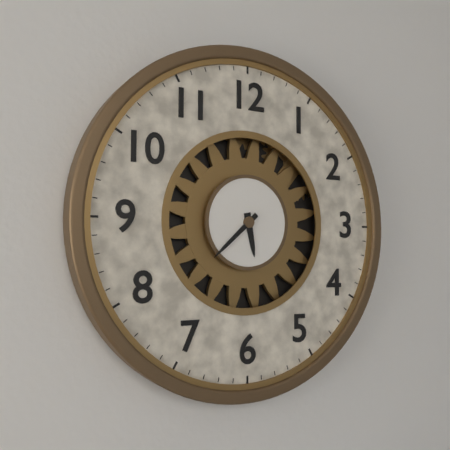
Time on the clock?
5:38
